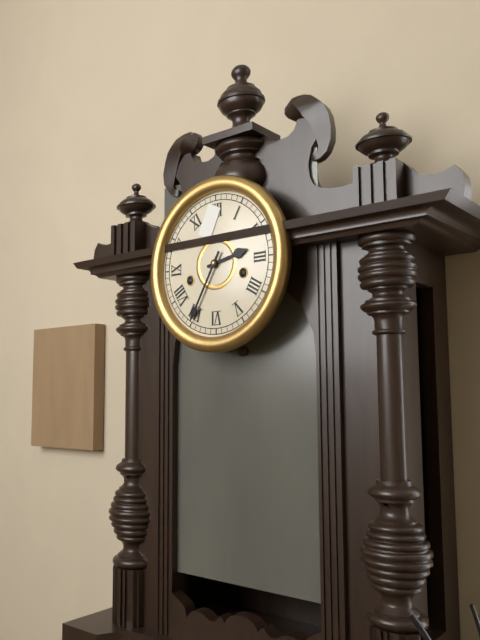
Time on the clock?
2:35
